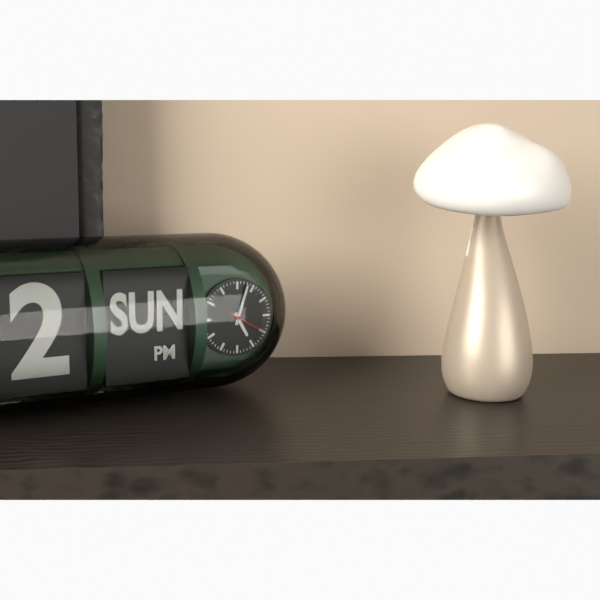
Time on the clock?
5:03
